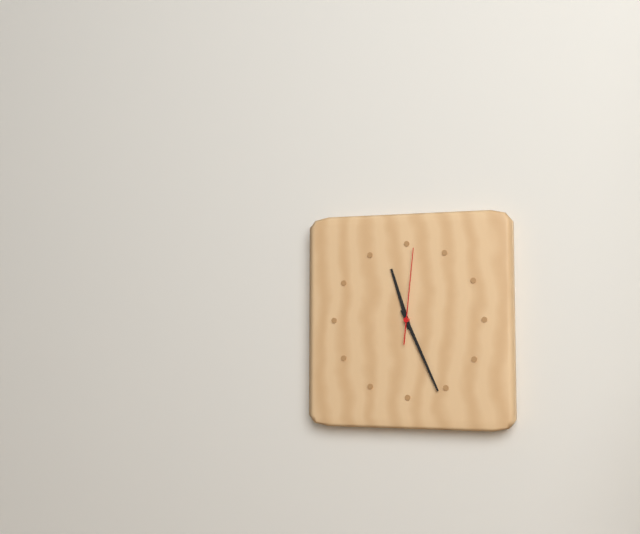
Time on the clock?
11:26:01
